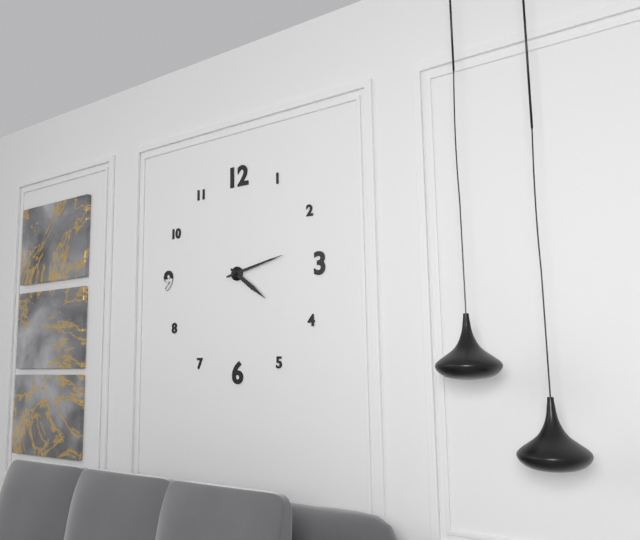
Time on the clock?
4:13
